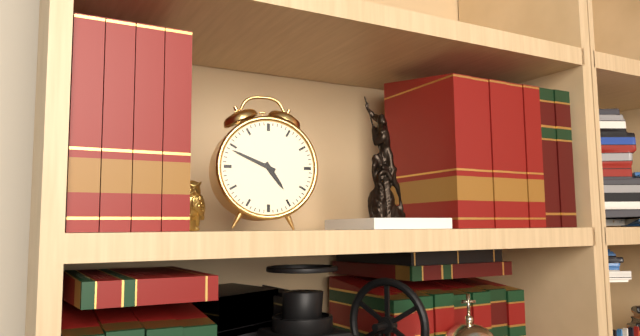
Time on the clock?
4:49
